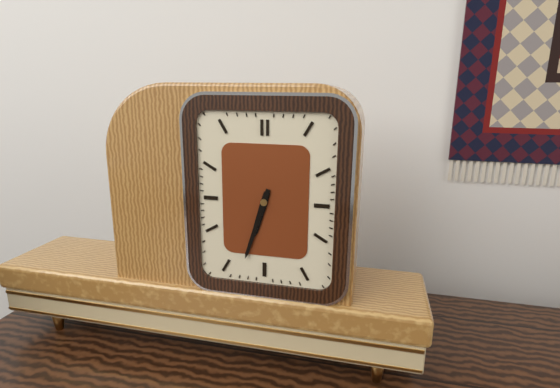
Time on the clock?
6:33
